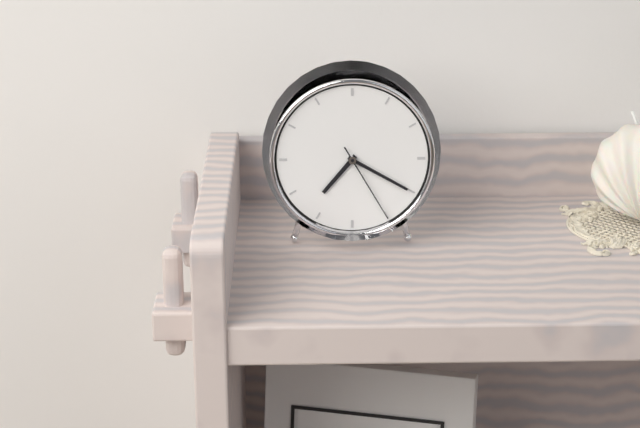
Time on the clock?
7:20:25
